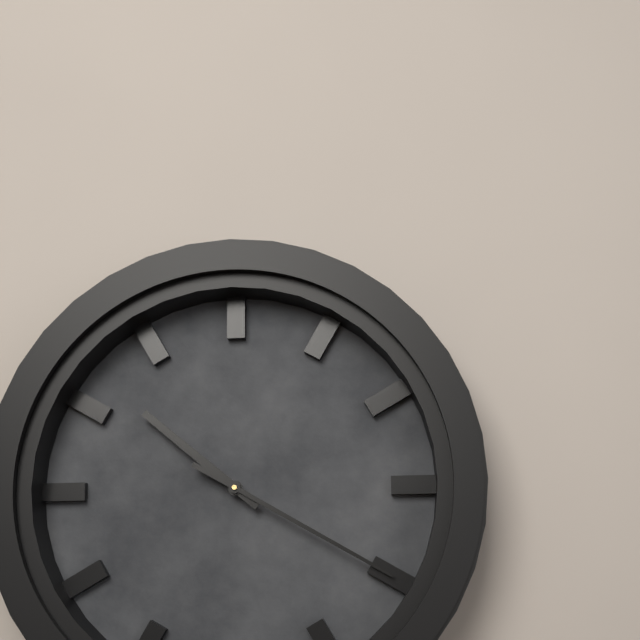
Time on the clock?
10:20
